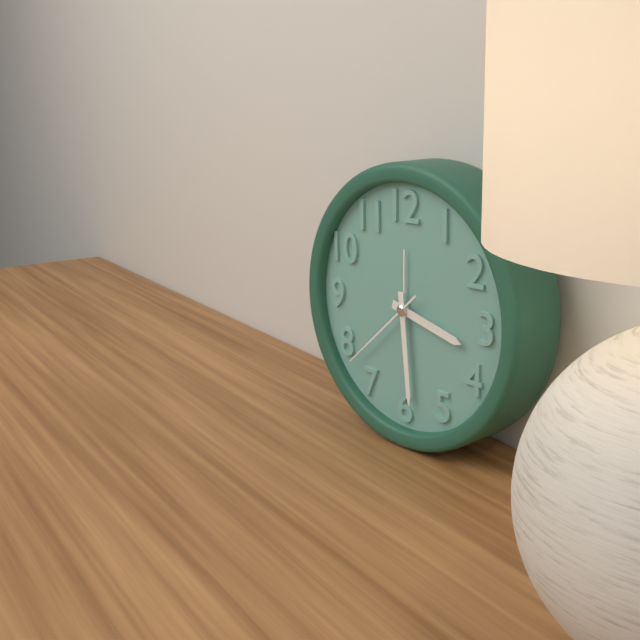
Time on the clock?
3:29:38
